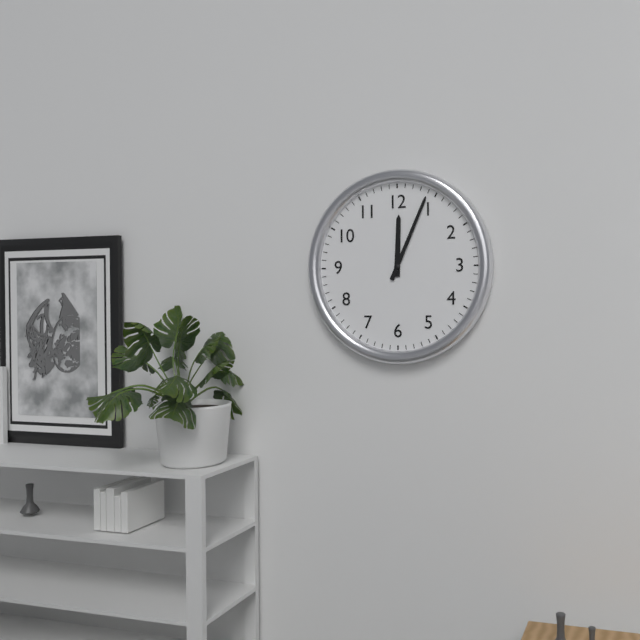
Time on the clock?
12:04
